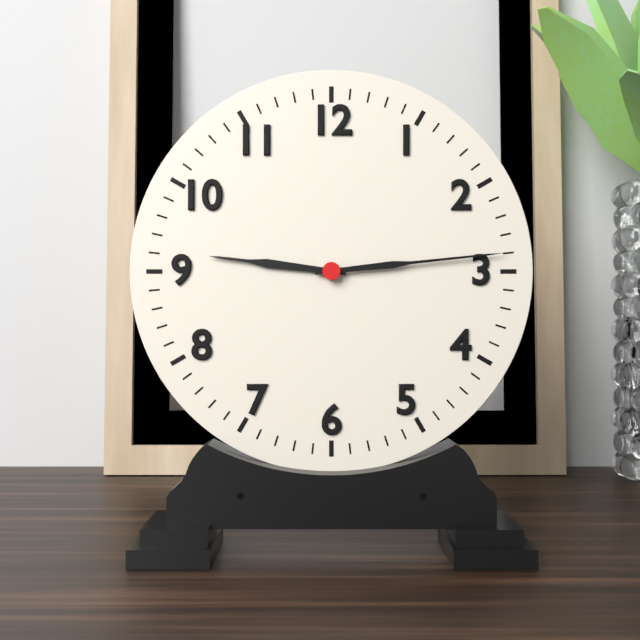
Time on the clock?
9:14
